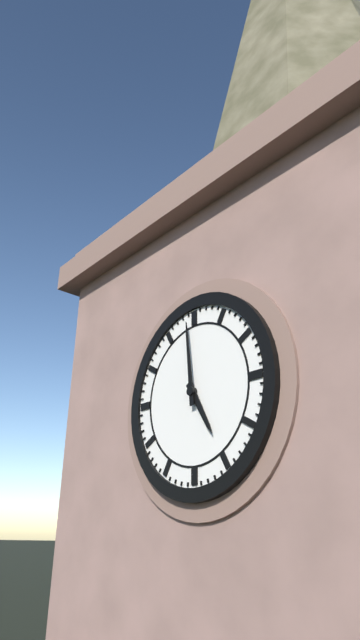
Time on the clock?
4:59
